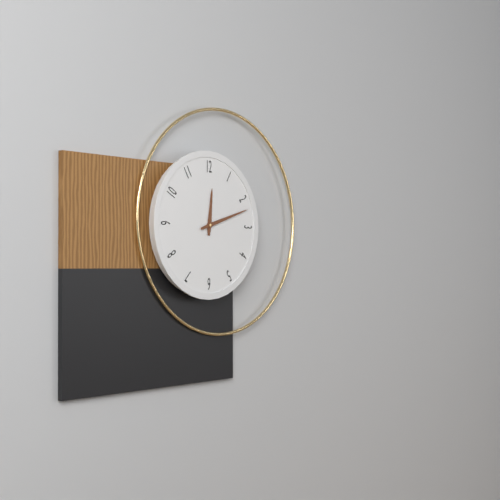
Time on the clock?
12:12
